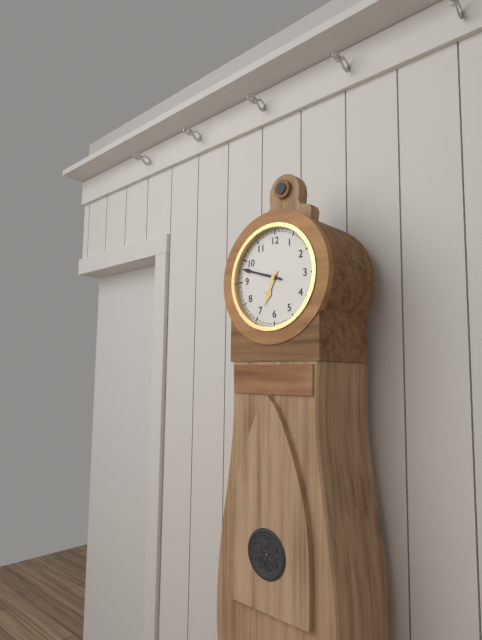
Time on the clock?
6:48
